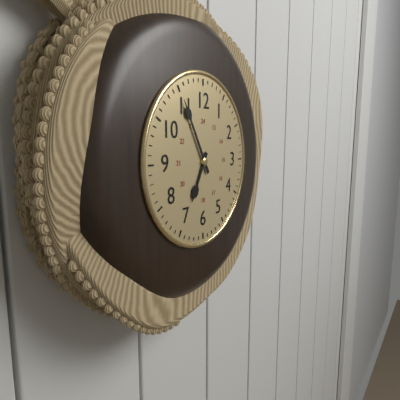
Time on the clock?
6:55
